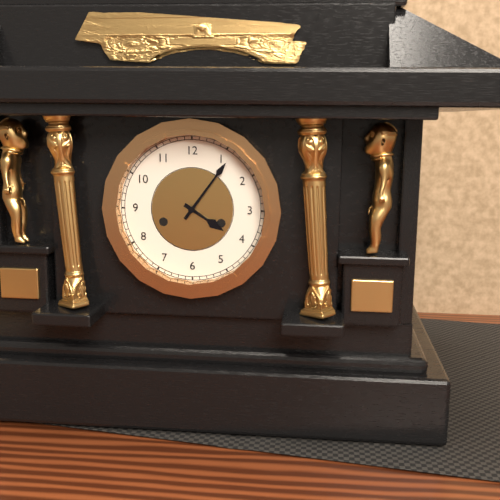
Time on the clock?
4:06
